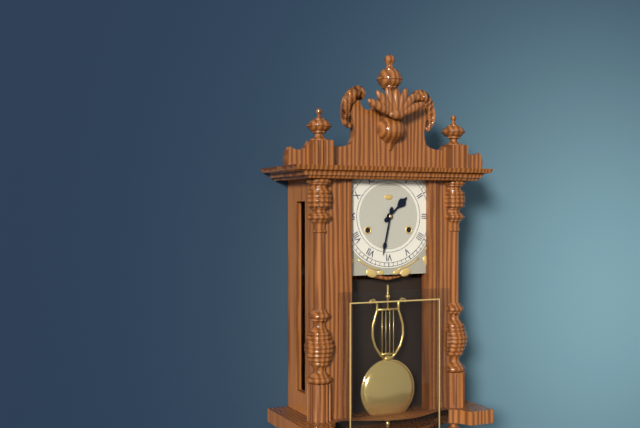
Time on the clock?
1:32
